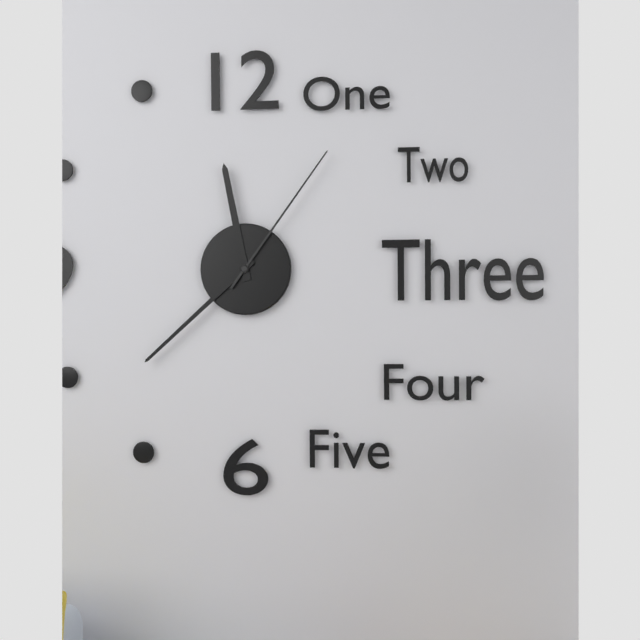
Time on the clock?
11:38:06
